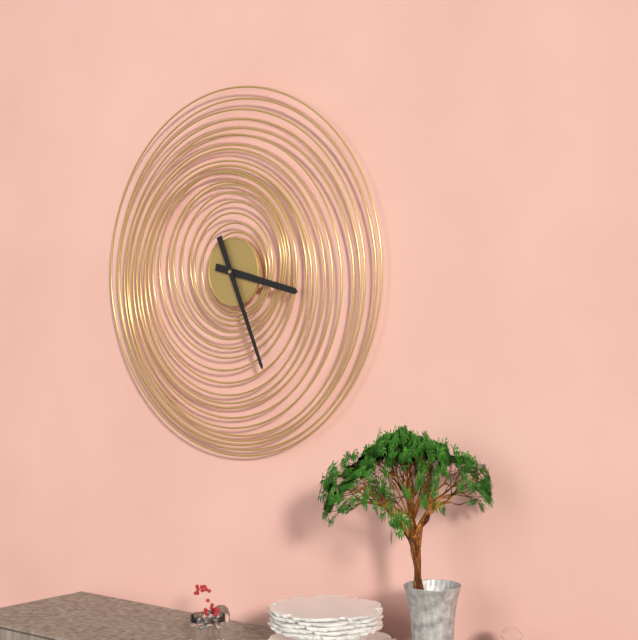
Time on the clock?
3:26
